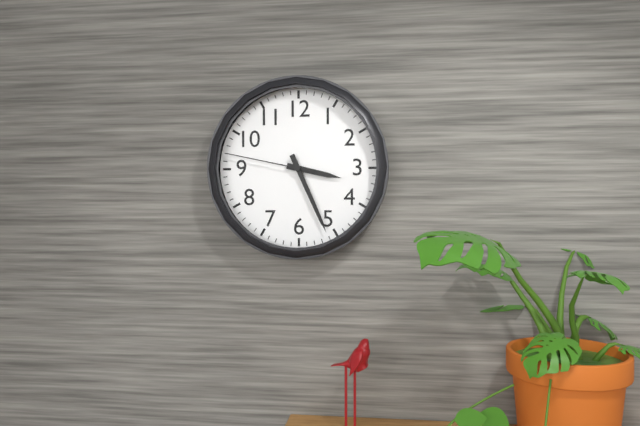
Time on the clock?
3:26:47
